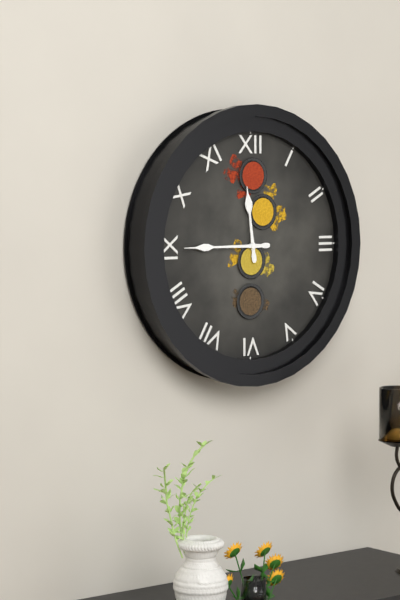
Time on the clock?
11:45
